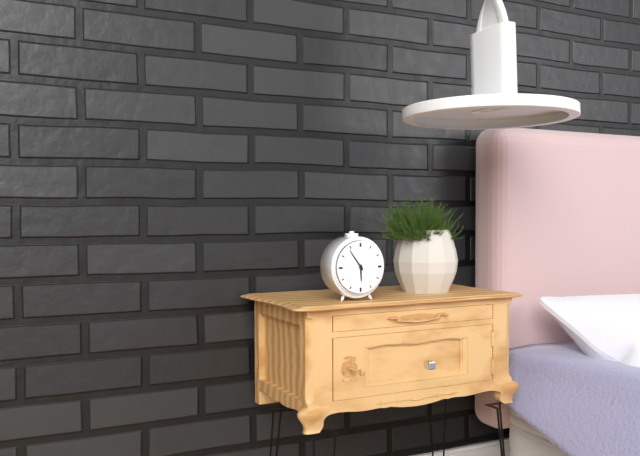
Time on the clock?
5:54
